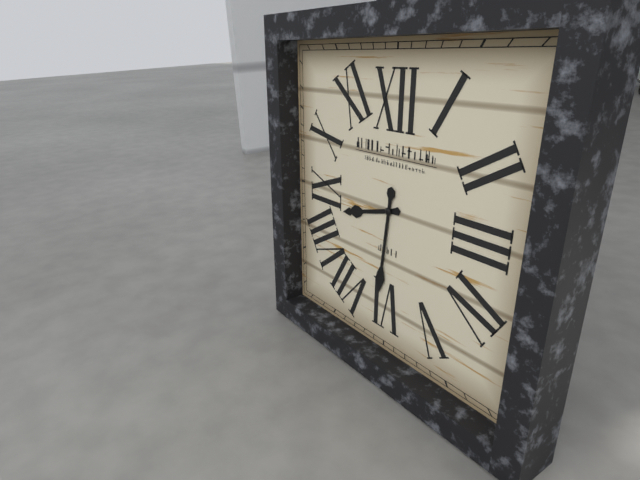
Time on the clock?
8:31
